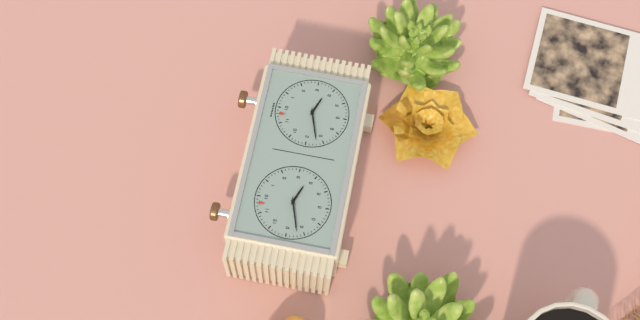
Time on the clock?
3:42
